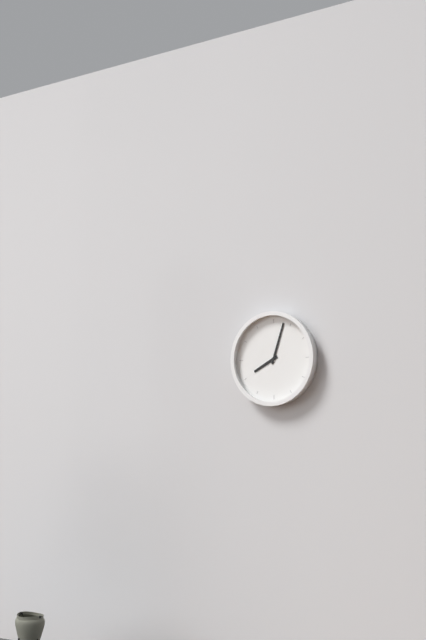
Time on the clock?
8:03
